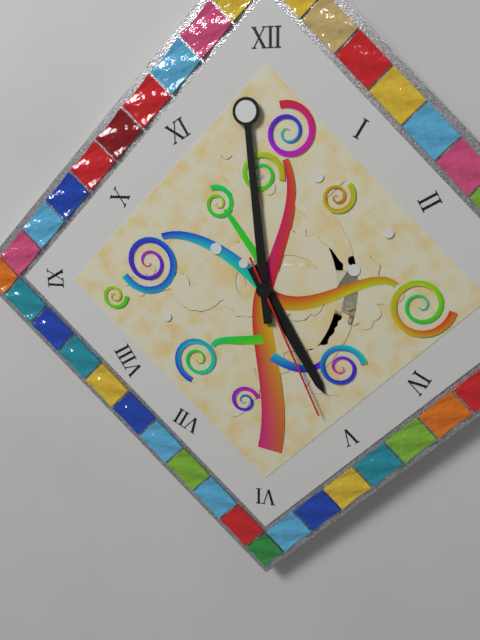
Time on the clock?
4:59:26
